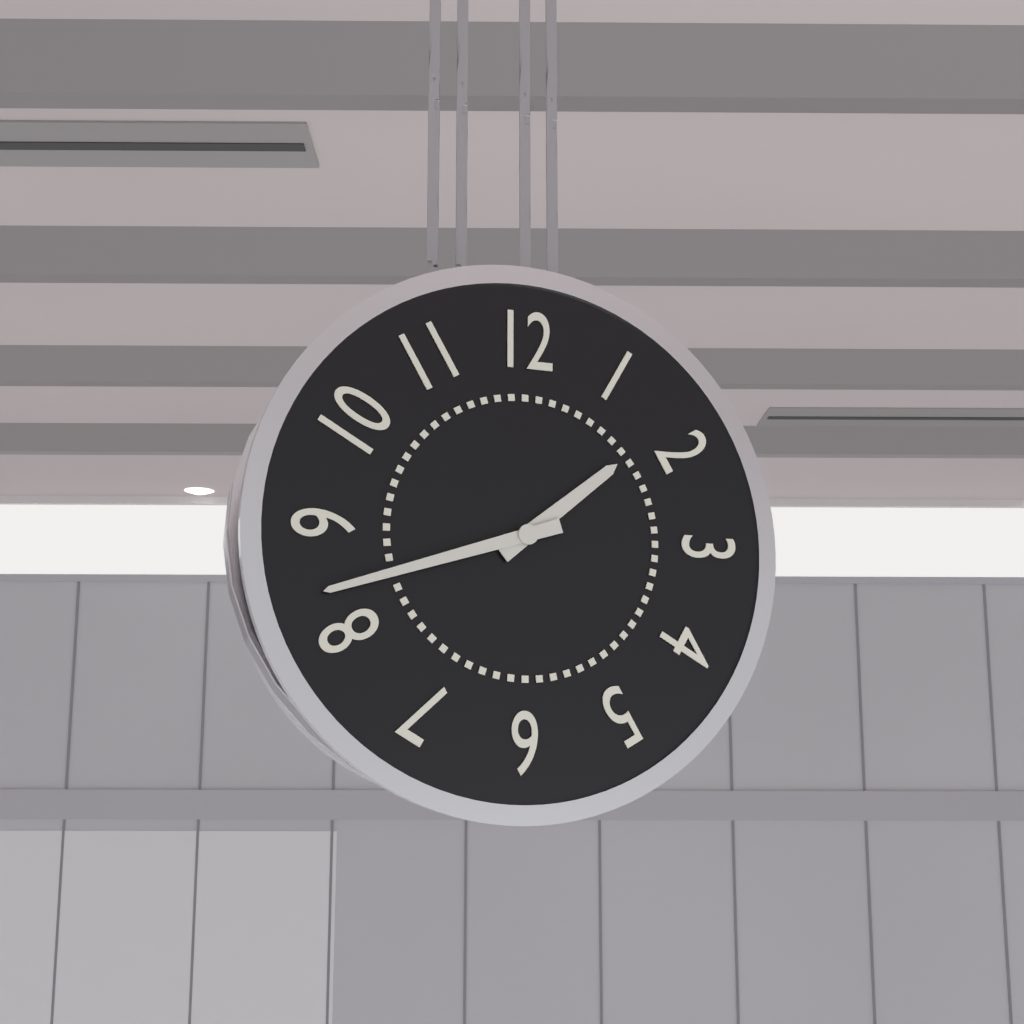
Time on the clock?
1:42
